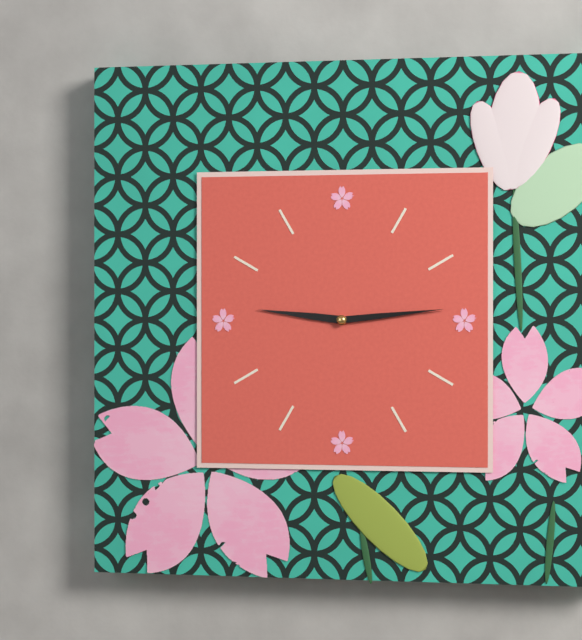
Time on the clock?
9:14
